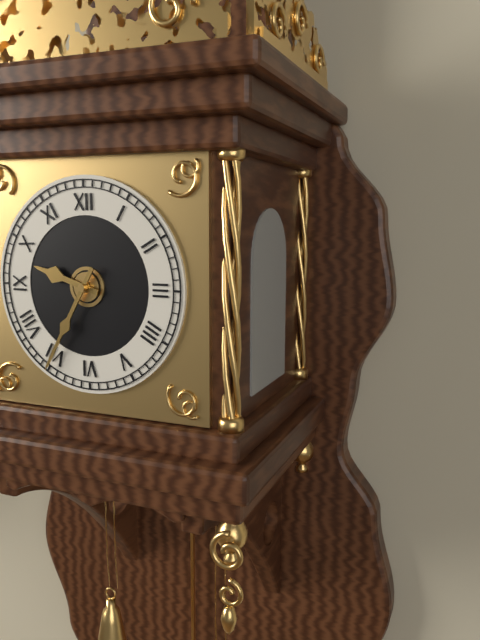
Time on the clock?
9:35
